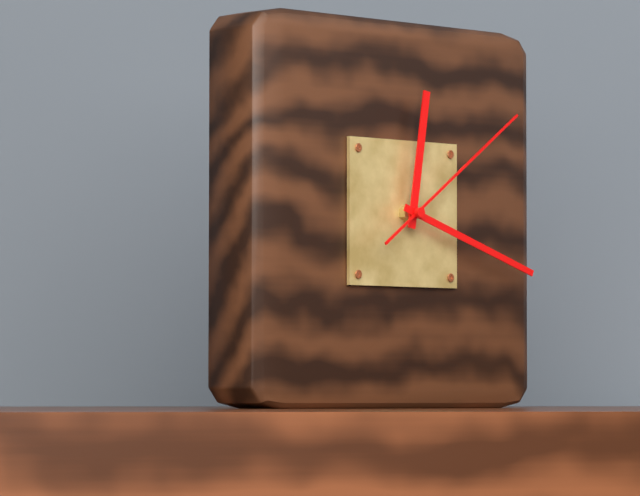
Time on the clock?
12:18:09
